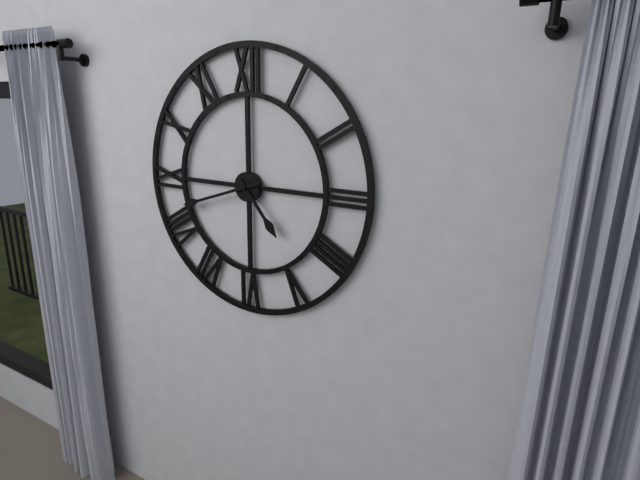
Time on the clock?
4:42
